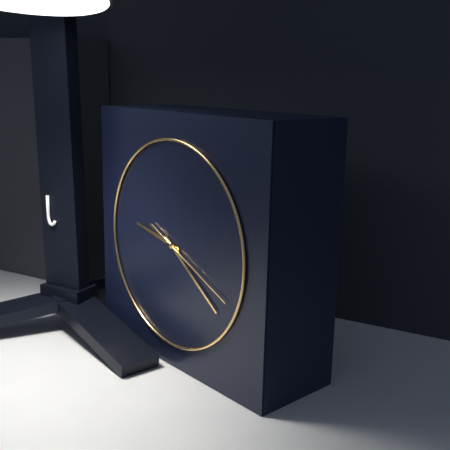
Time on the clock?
9:21:19
